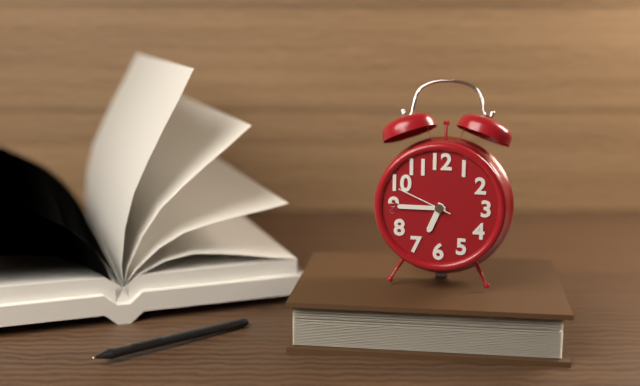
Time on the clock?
6:45:49
